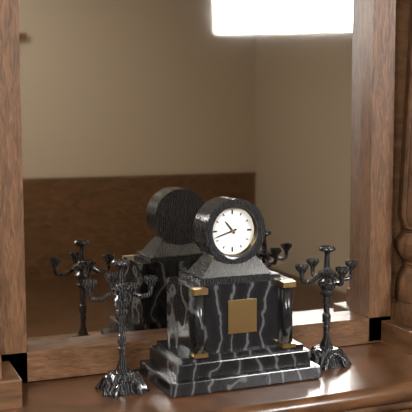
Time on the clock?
10:42
